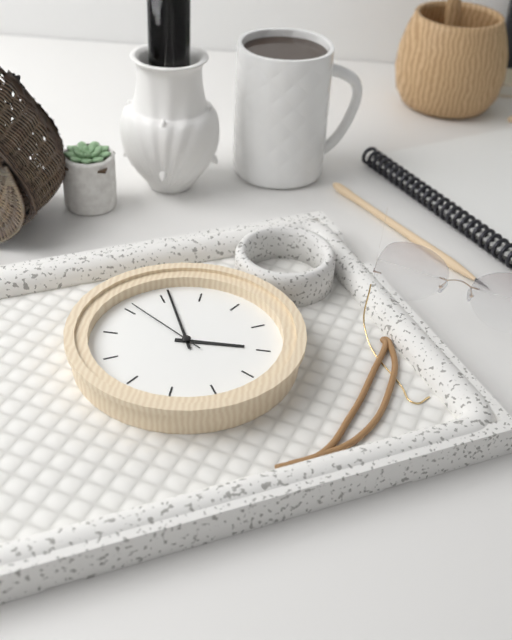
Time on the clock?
2:56:51
